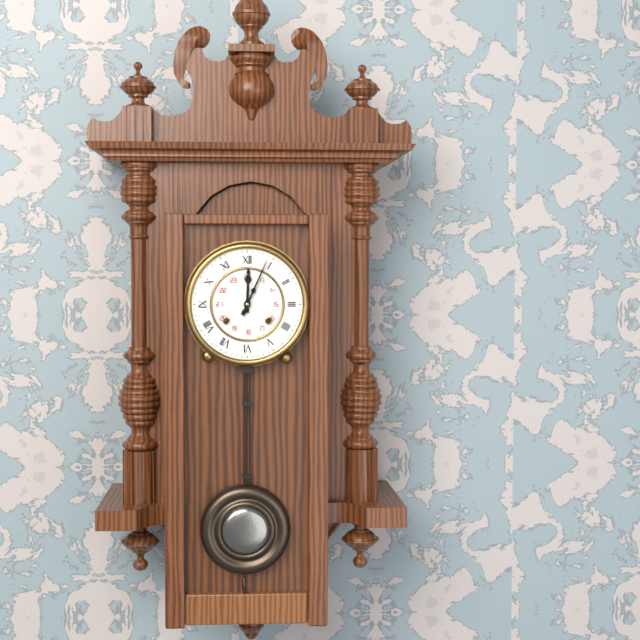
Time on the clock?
12:04
